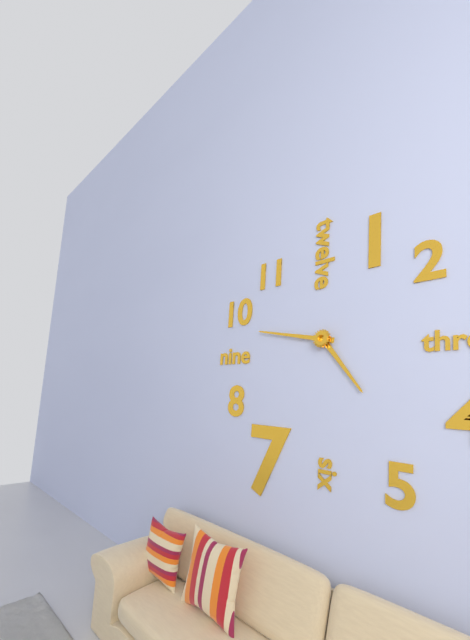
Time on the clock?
4:47
